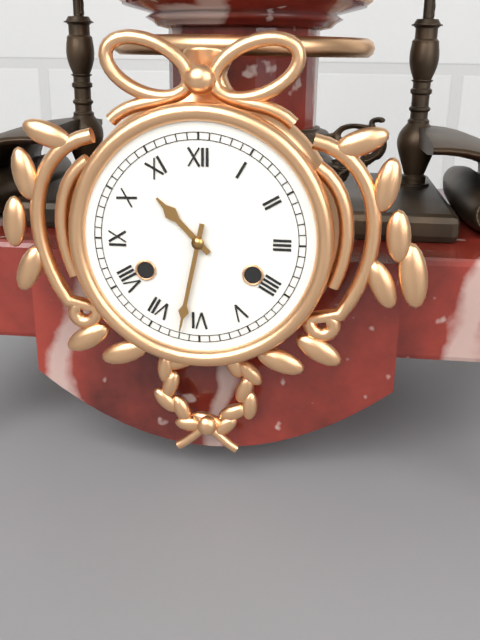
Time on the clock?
10:32
